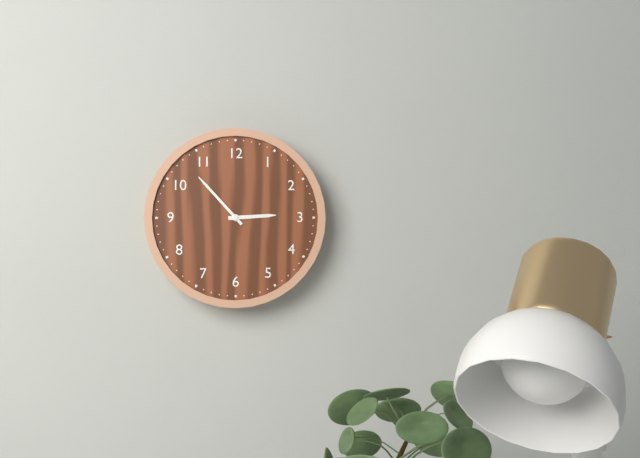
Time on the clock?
2:53
